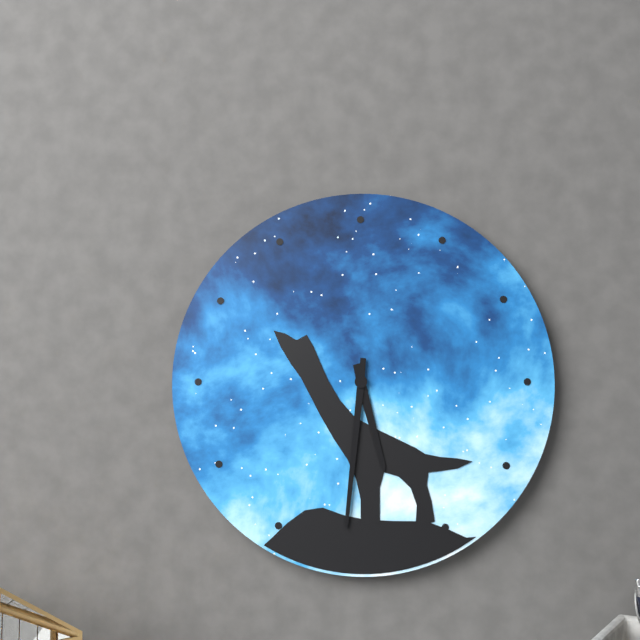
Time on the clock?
5:31
